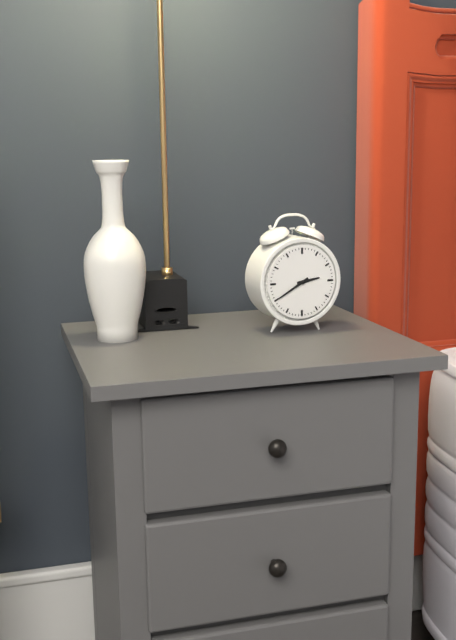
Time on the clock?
2:40
